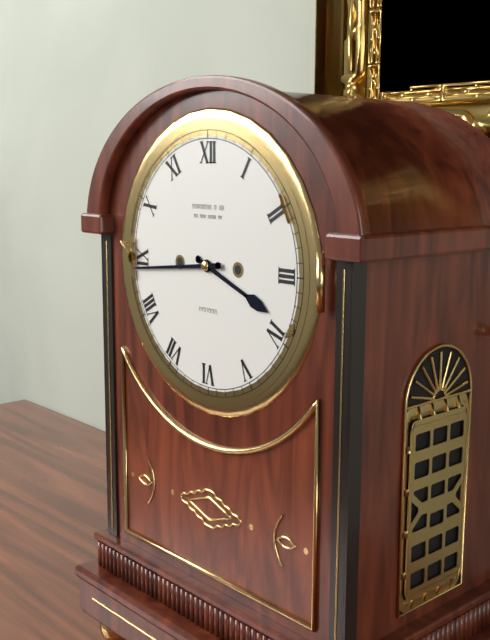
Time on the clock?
3:44
